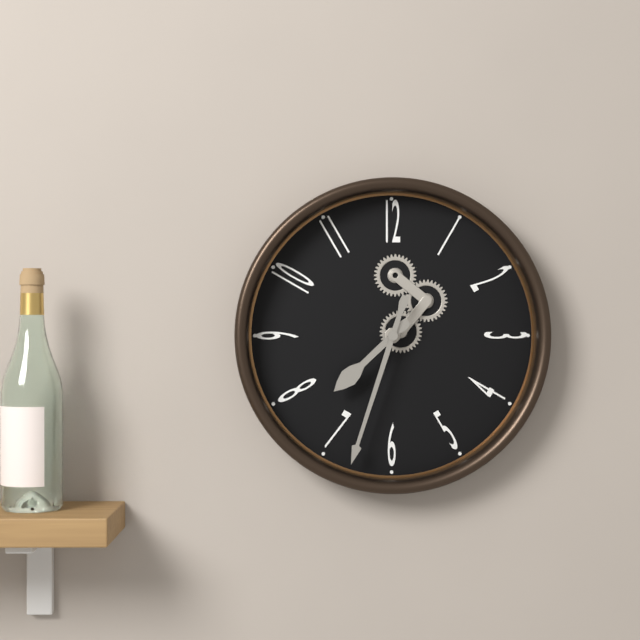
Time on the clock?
7:33
